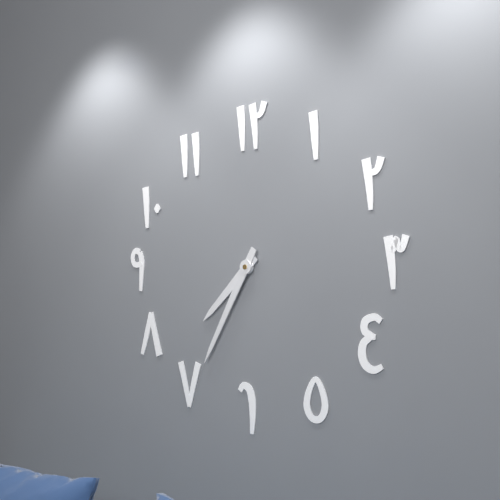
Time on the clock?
7:35
